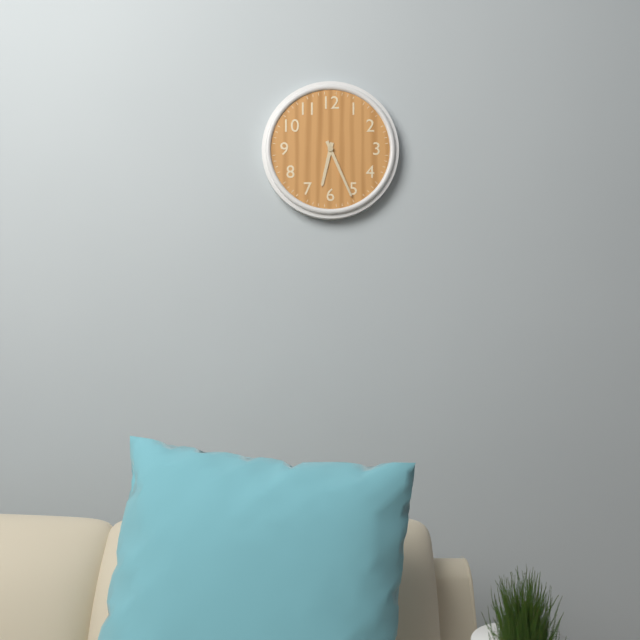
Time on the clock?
6:26
